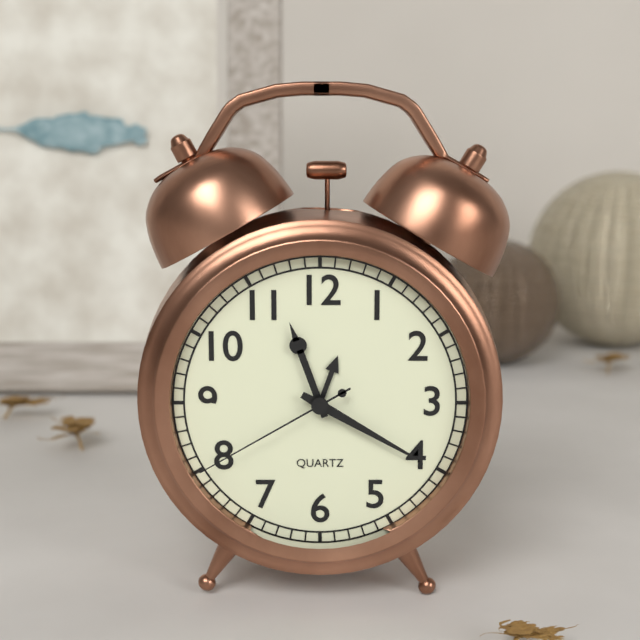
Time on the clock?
11:20:40
